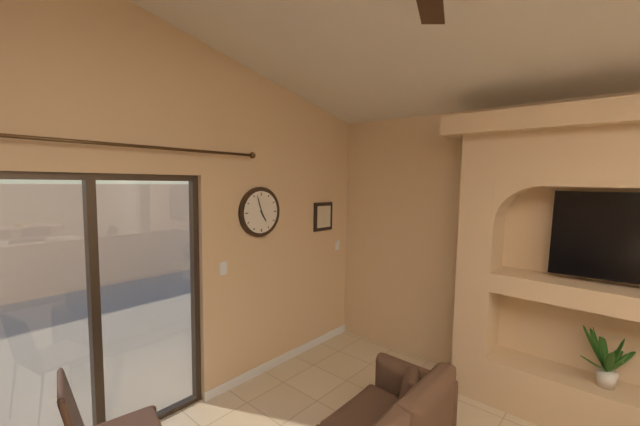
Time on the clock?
4:57
